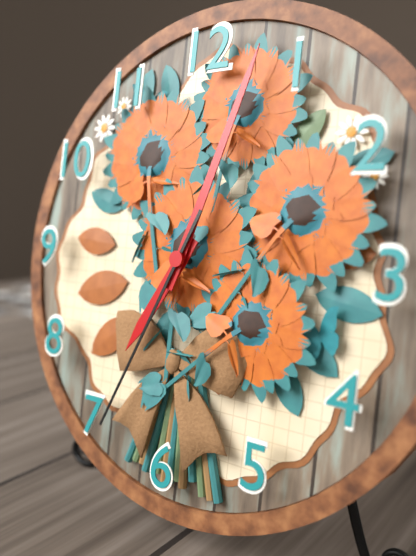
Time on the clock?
7:03:34
